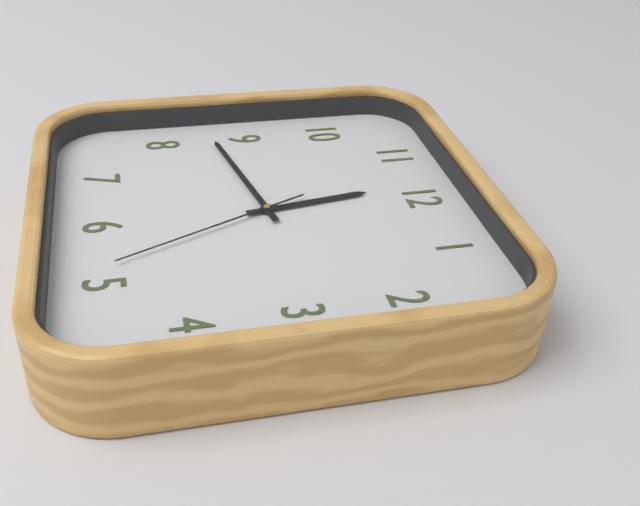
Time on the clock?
11:43:26
